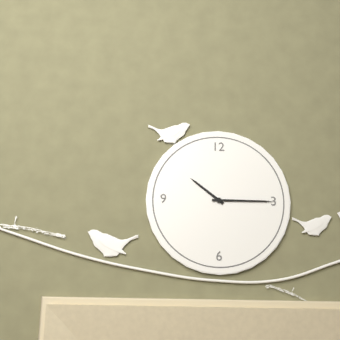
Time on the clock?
10:15
